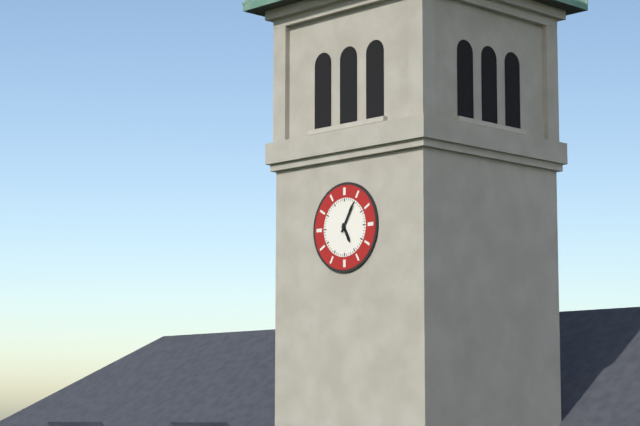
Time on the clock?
5:05
